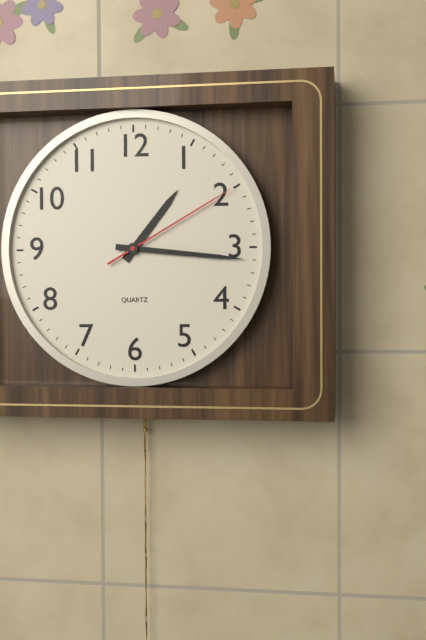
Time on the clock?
1:16:10
